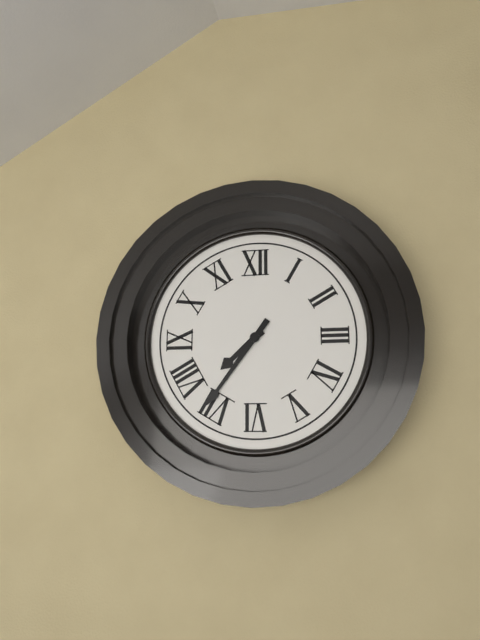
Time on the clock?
7:36
